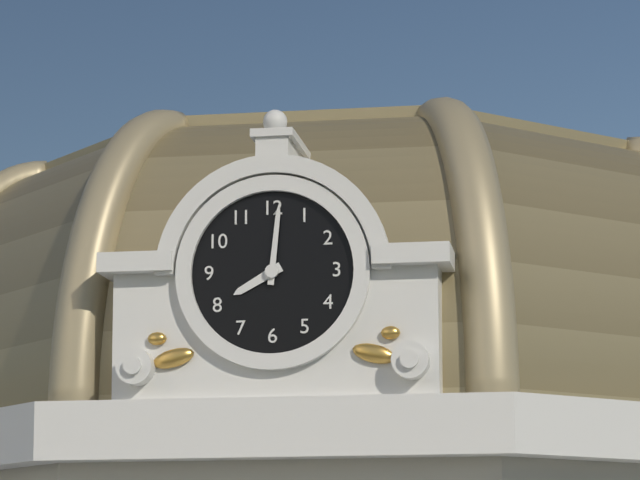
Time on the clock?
8:01
